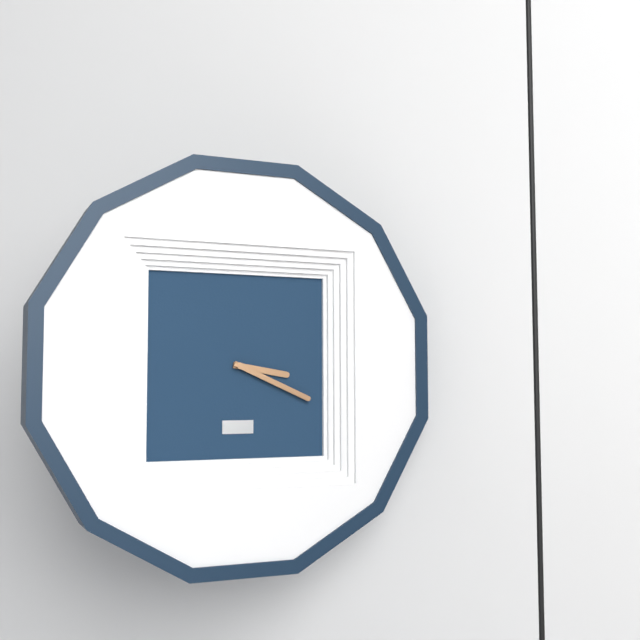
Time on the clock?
3:19
